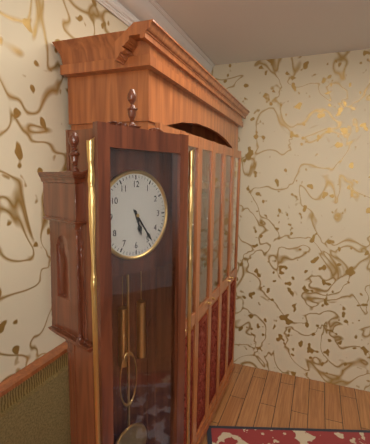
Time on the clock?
5:24
